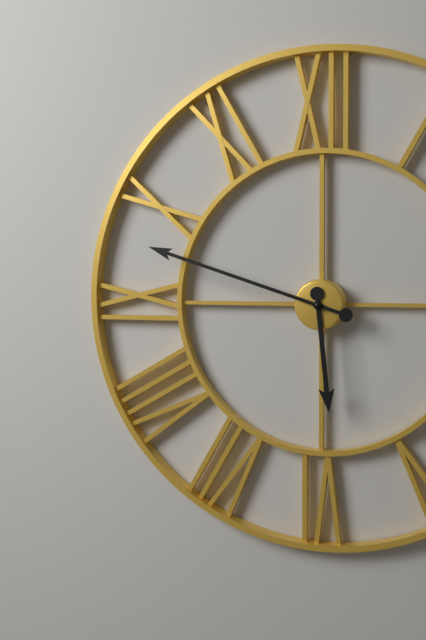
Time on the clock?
5:48
